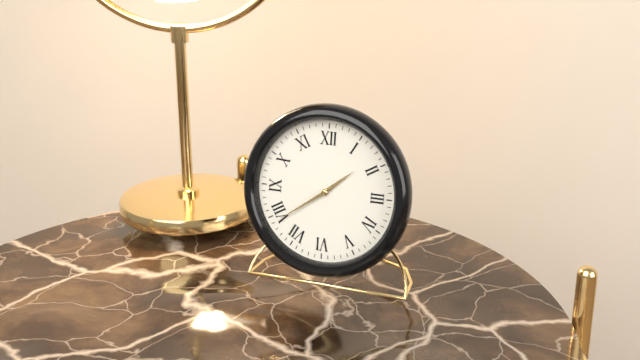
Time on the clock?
1:39
